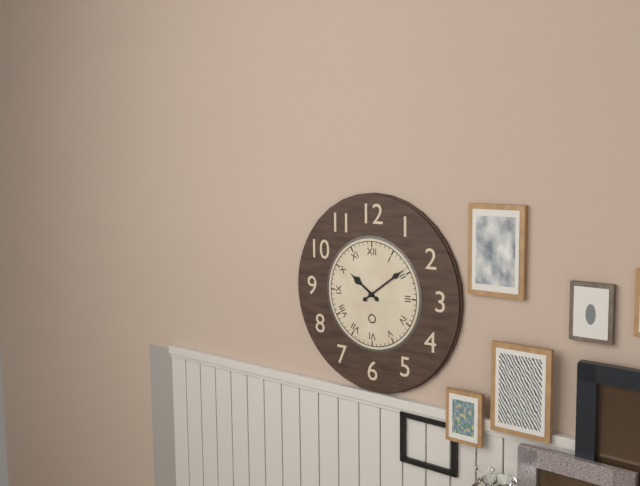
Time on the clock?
10:09
